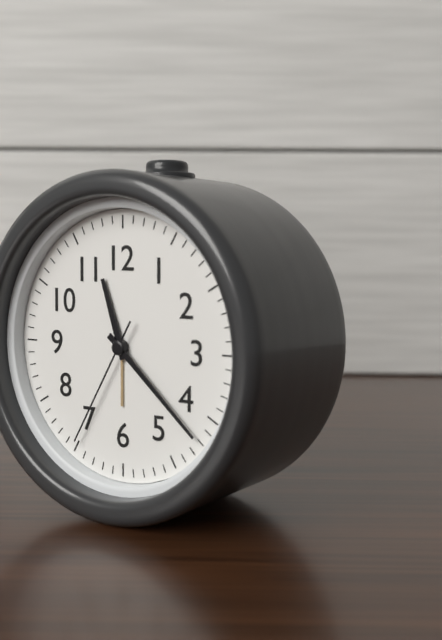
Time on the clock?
11:22:35
